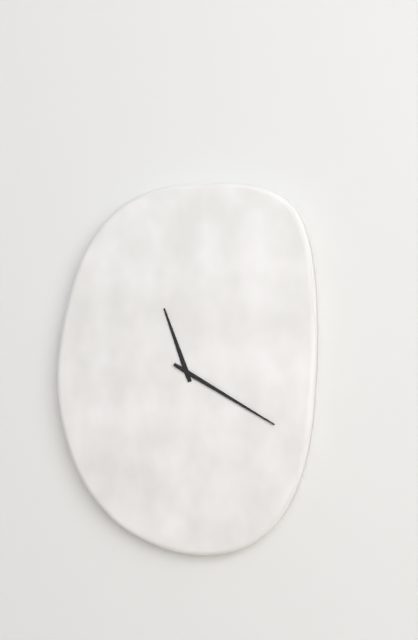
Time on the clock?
11:20
